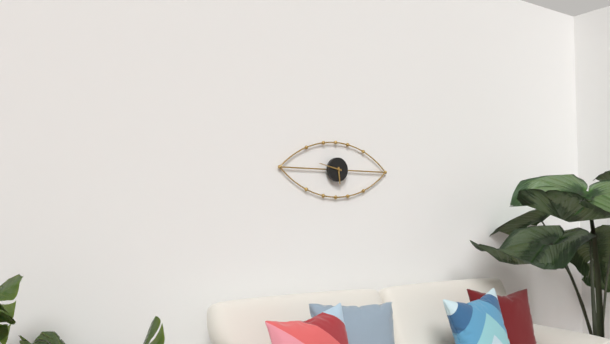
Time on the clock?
5:47
